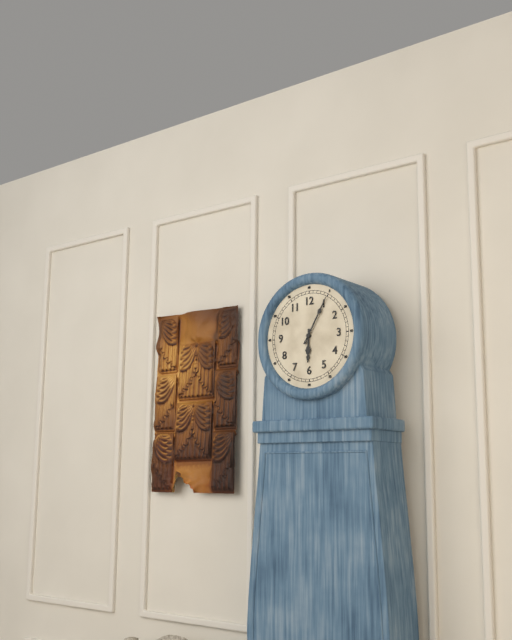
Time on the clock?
6:05
